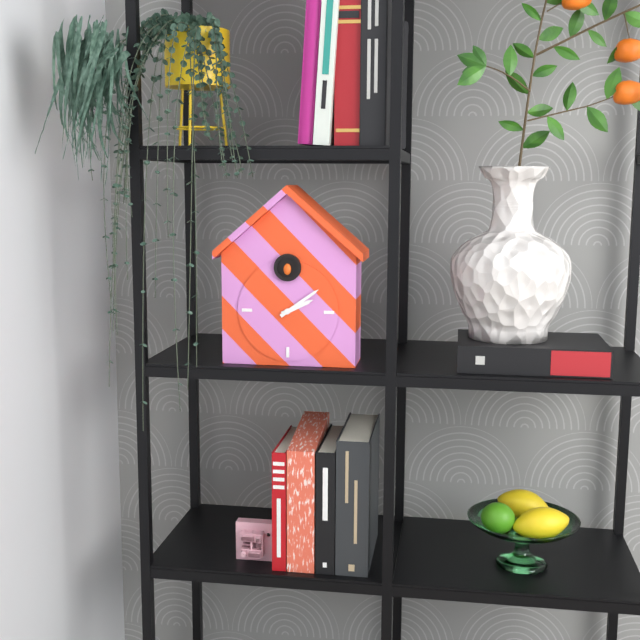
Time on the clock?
2:09
